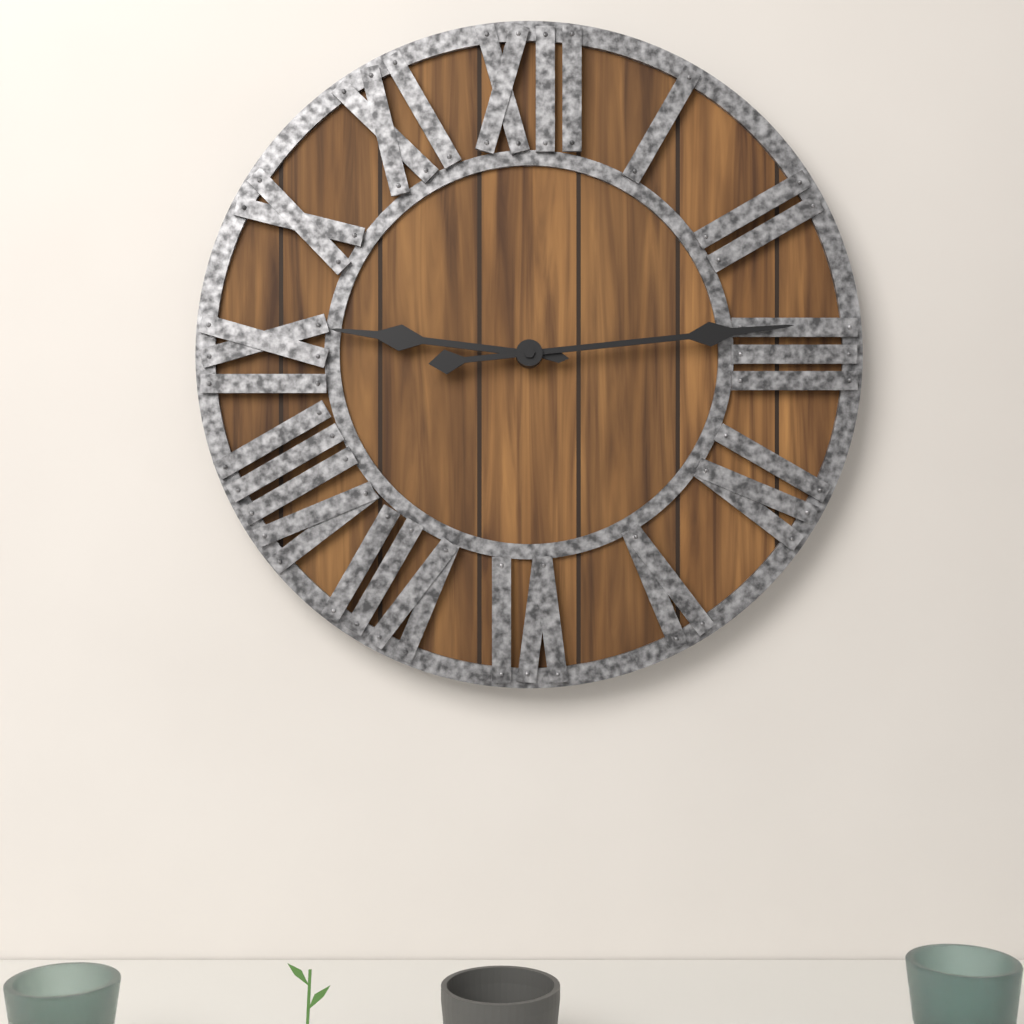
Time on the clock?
9:14
